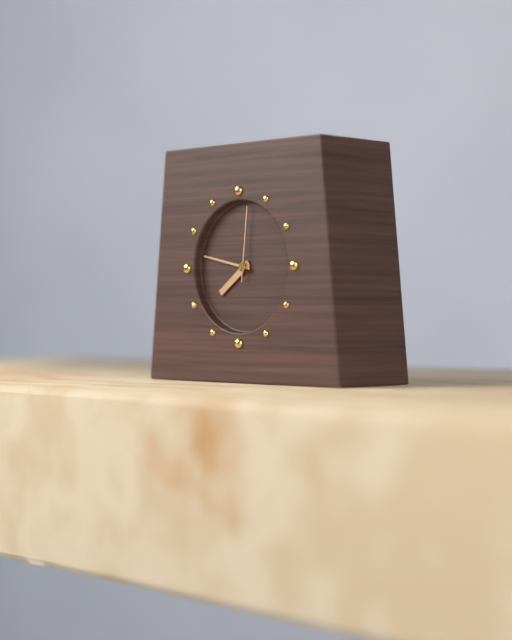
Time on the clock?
7:47:01
